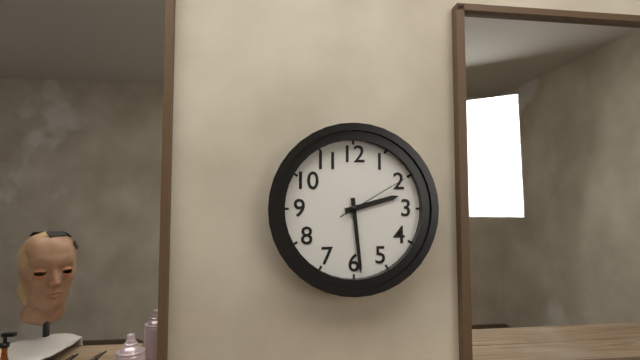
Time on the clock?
2:29:10
